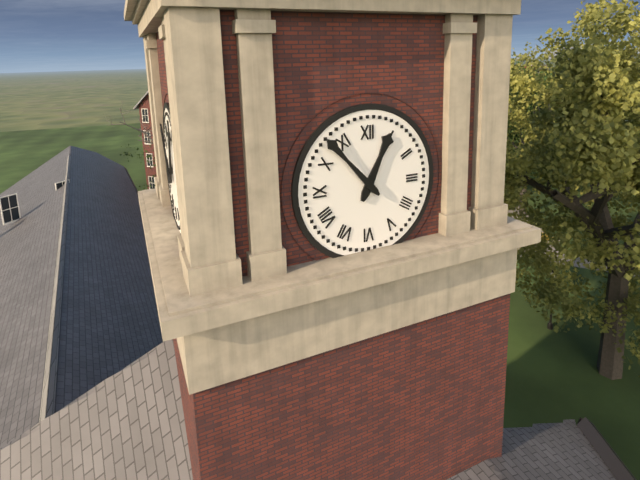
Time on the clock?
12:53
